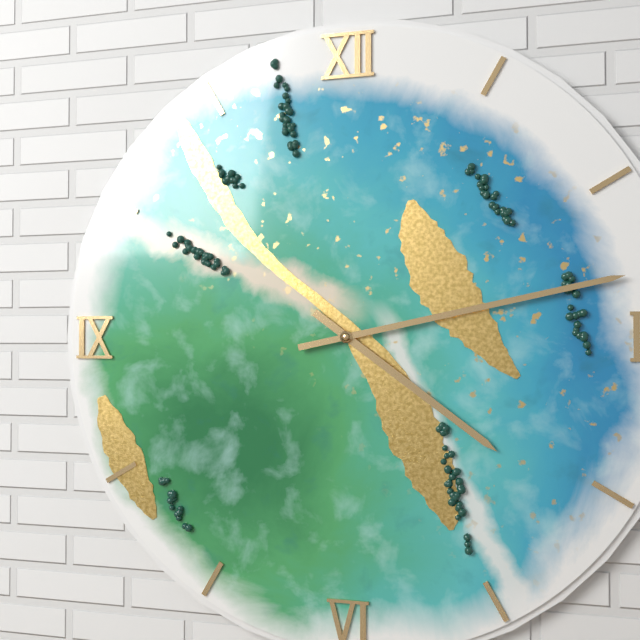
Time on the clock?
4:13
